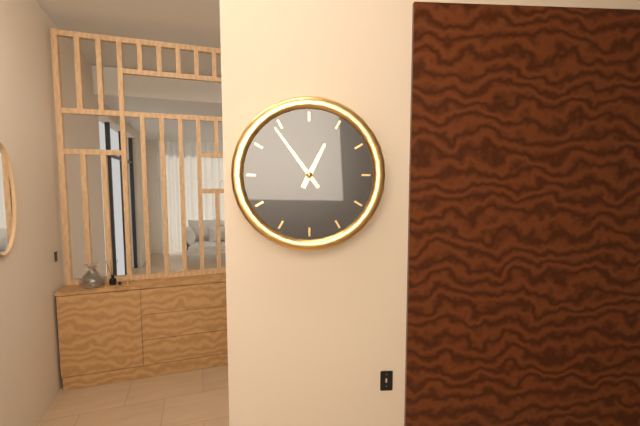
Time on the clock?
12:54
